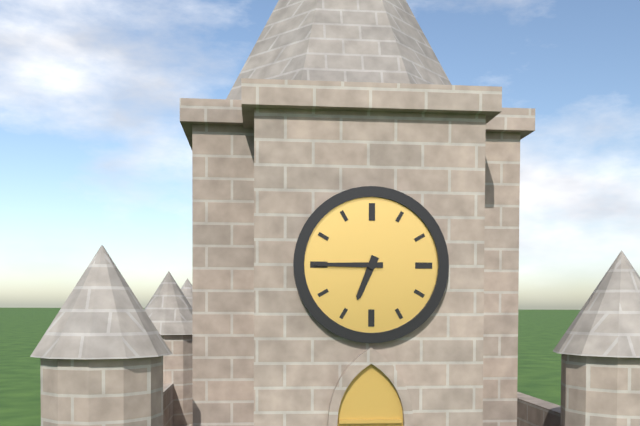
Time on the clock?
6:45
